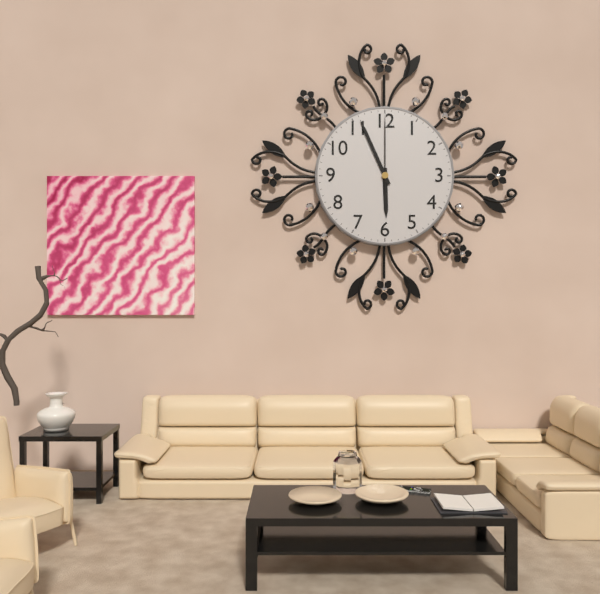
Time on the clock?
5:56:00
